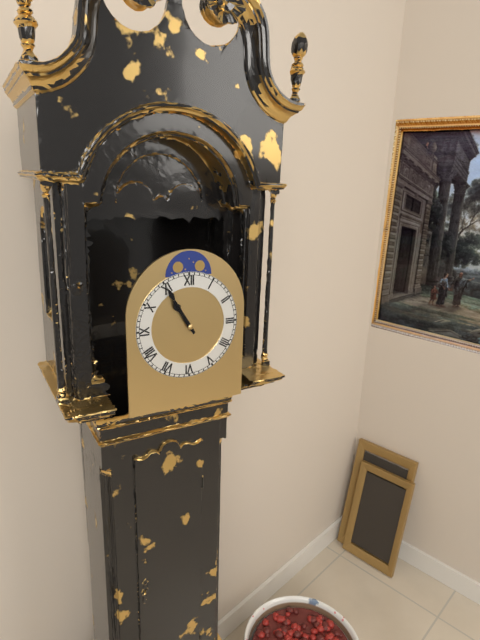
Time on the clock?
10:55
